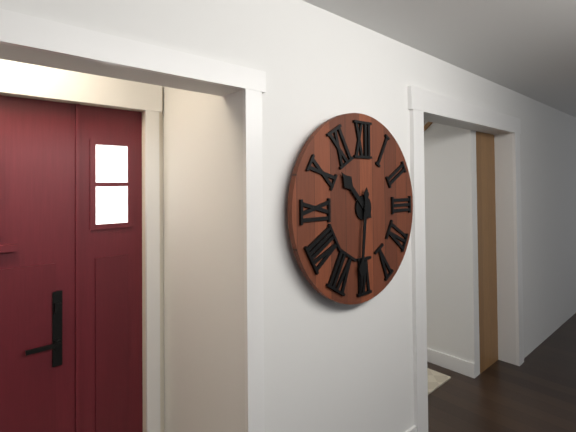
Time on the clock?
10:31
